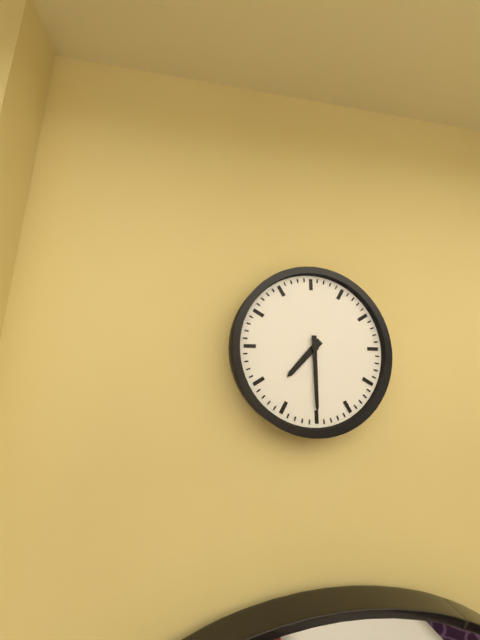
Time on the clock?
7:30
